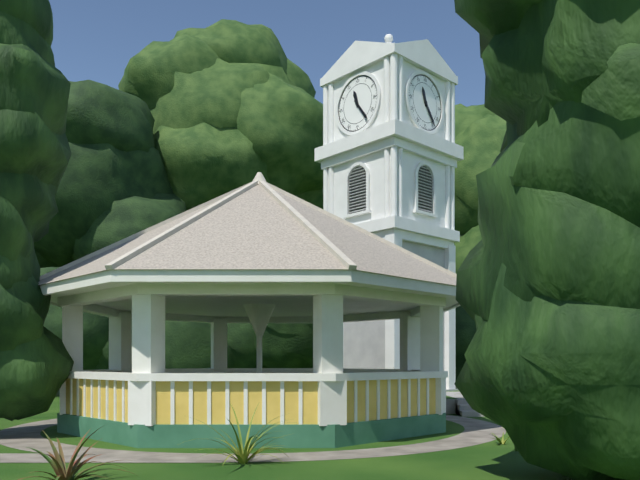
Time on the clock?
11:24
